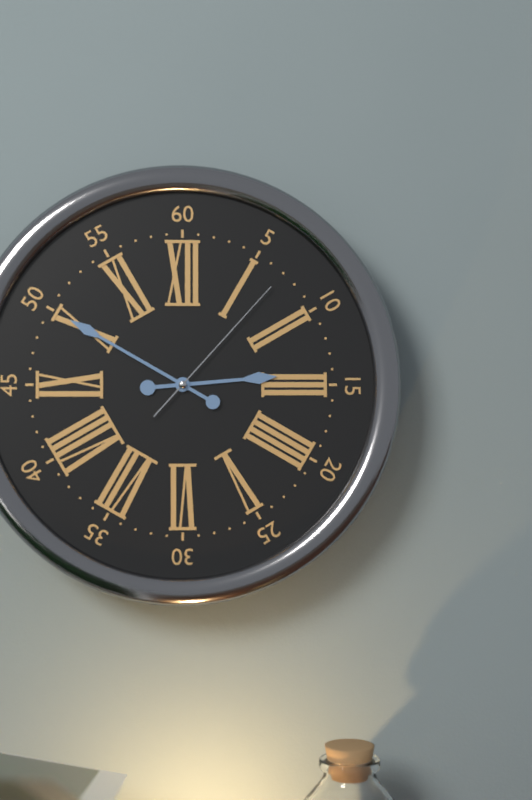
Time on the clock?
2:50:07
